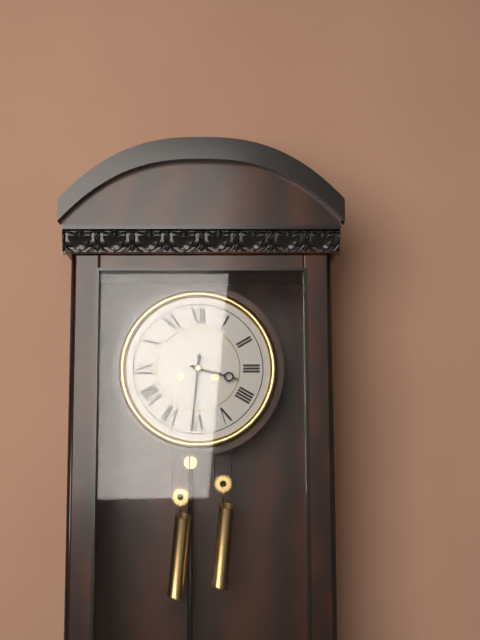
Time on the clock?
3:31
